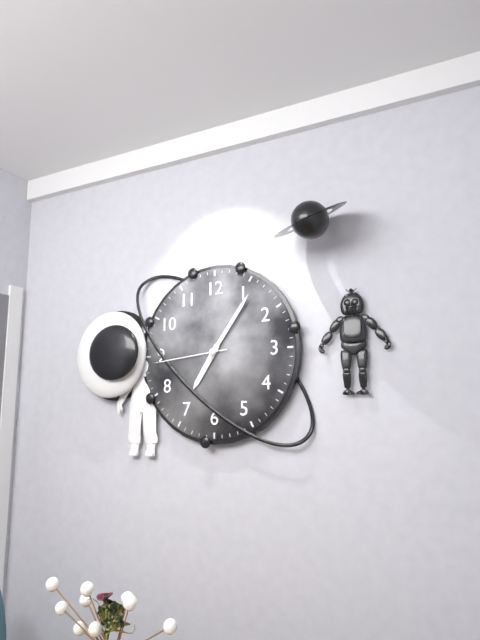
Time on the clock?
7:06:44
